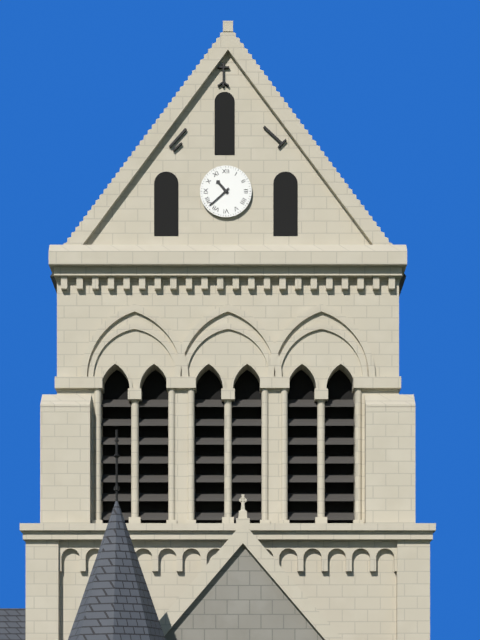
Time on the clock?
10:38
